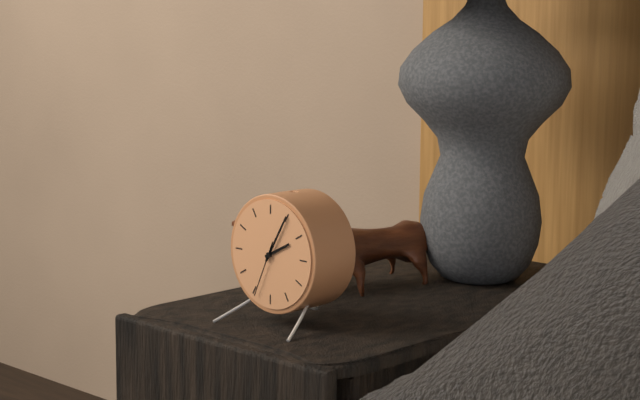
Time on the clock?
2:05:34
